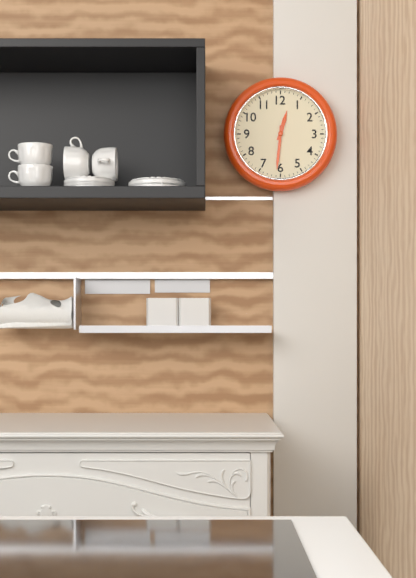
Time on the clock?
12:31
